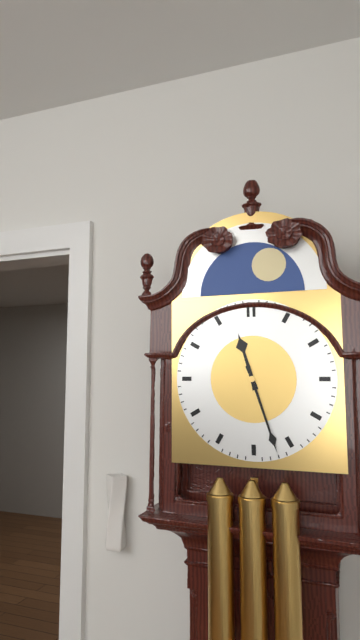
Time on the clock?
11:27
